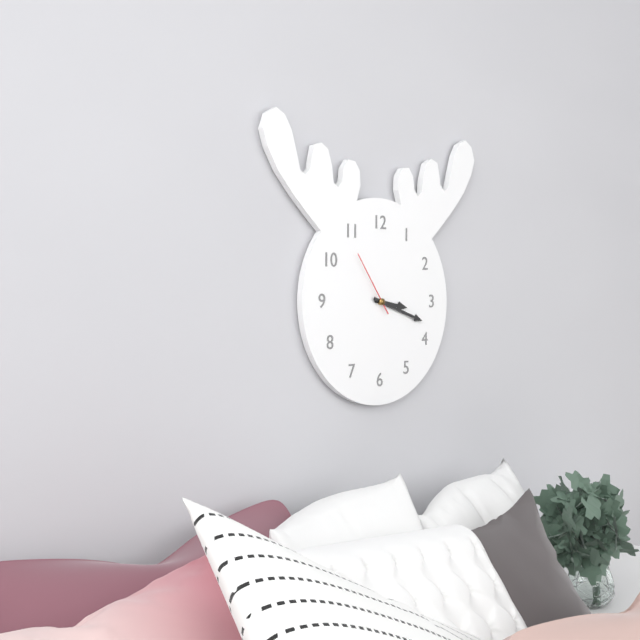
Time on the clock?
3:18:54
